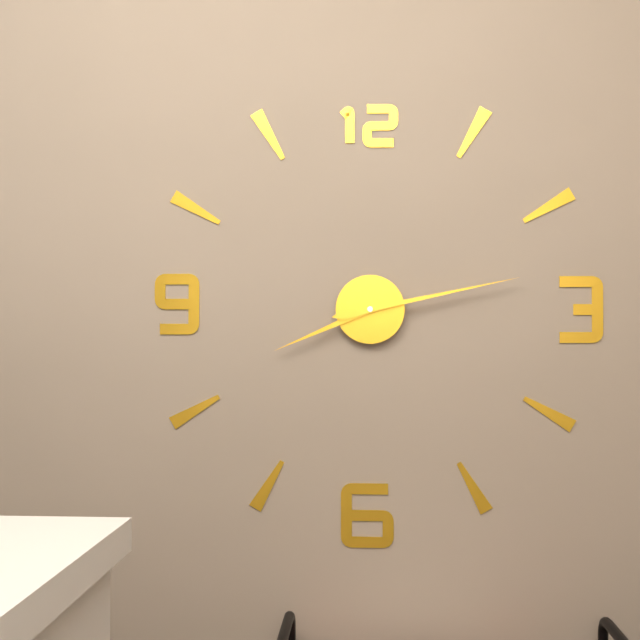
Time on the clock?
8:13
